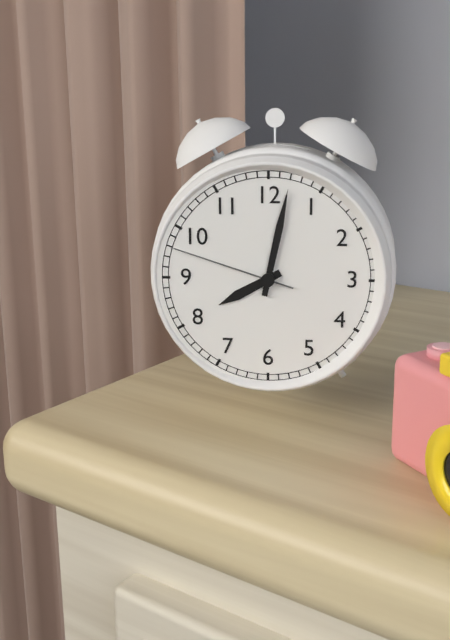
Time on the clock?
8:02:48
